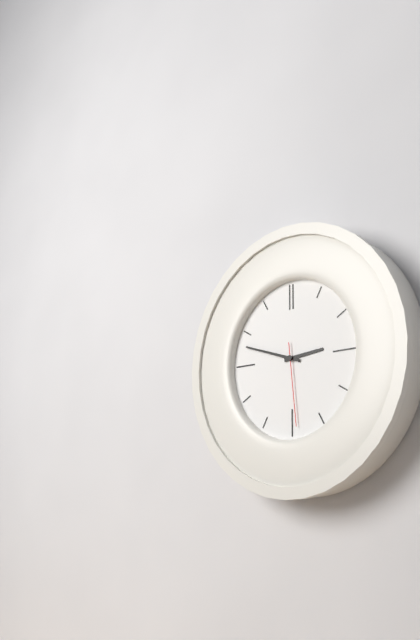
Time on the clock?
2:48:29
